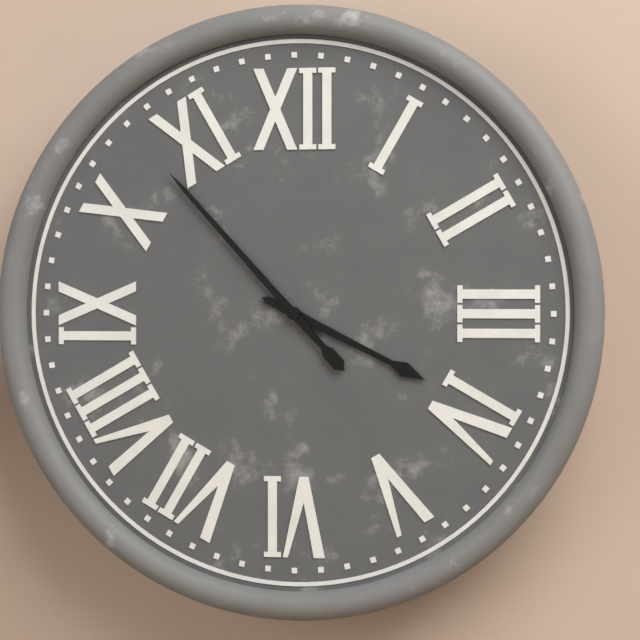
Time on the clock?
3:53
